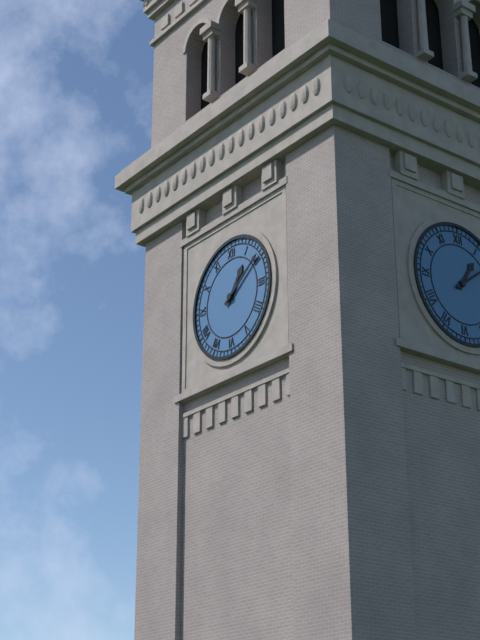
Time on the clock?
1:09
